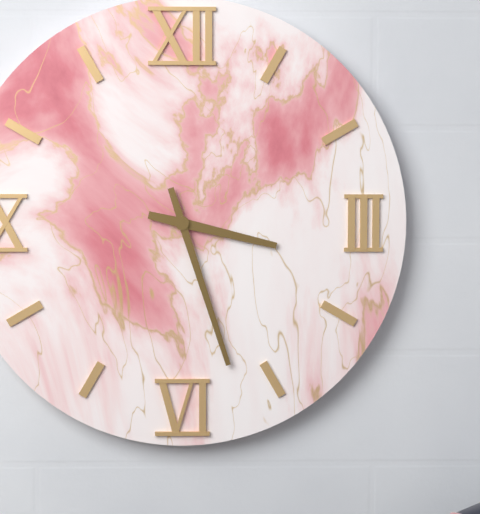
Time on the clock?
3:27
